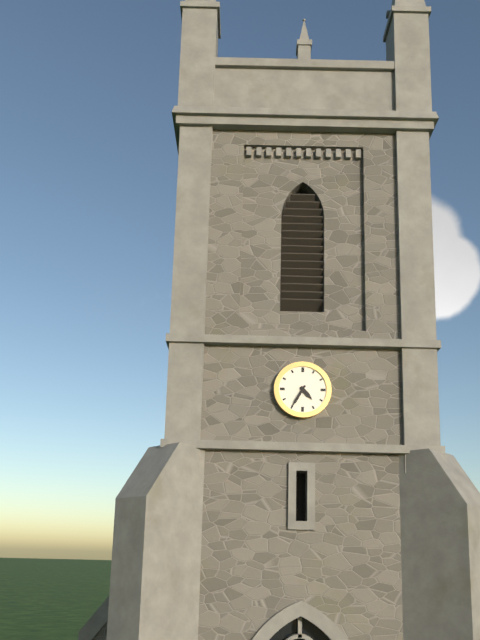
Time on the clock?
4:35
